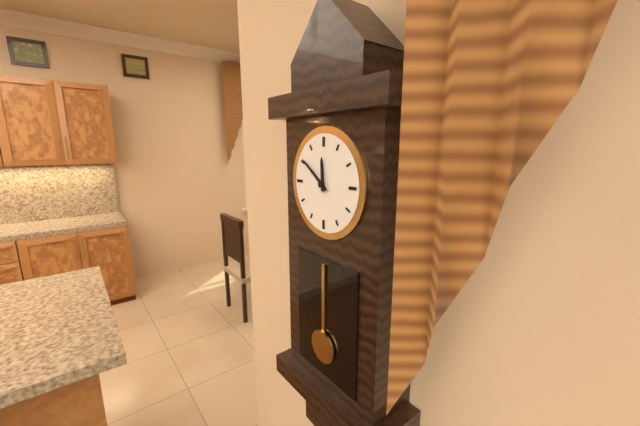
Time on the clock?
11:51
